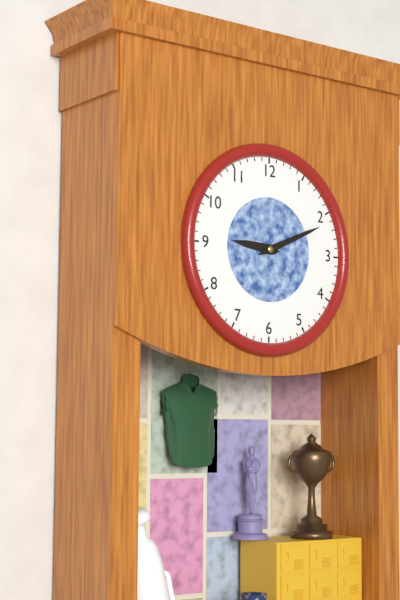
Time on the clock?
9:11
